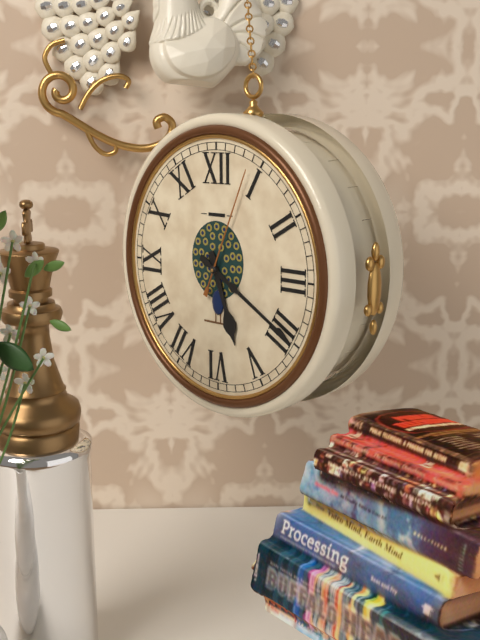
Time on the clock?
5:20:04
